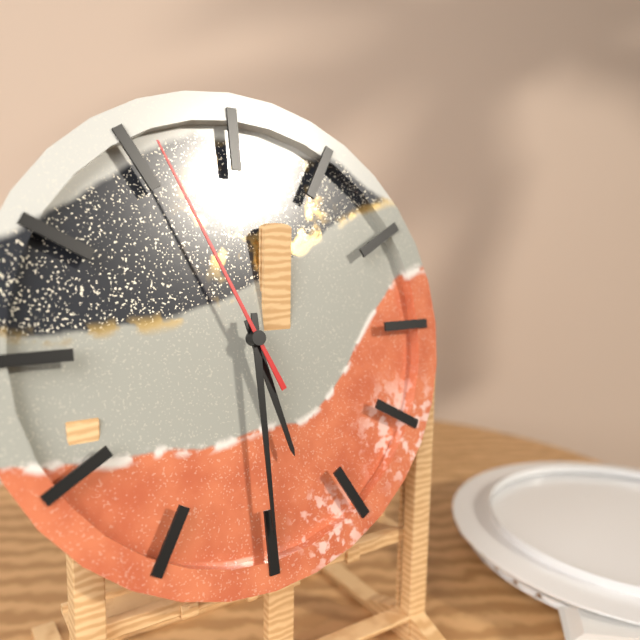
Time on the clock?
5:30:56
